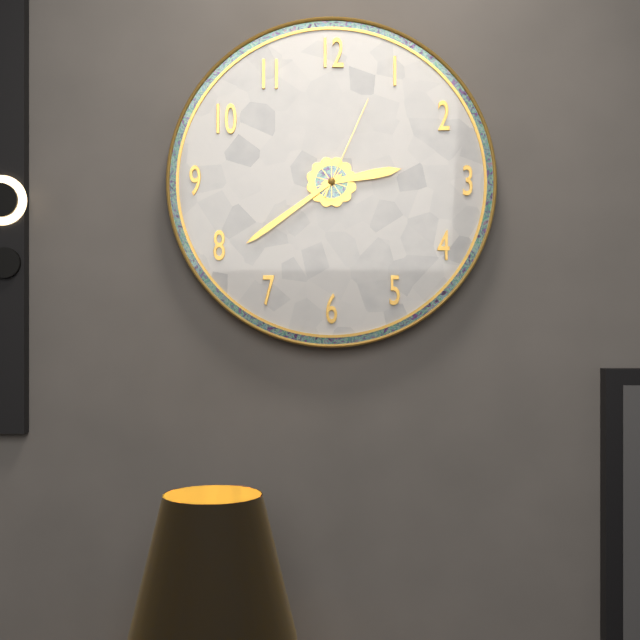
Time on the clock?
2:39:04
